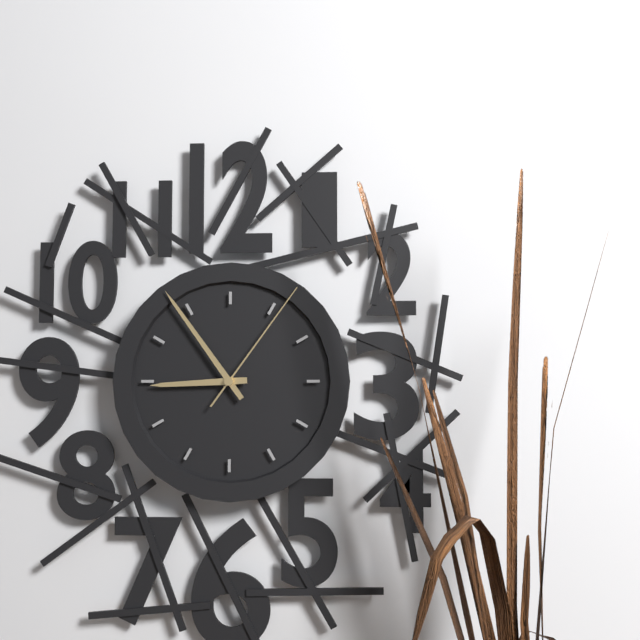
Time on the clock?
8:54:06
